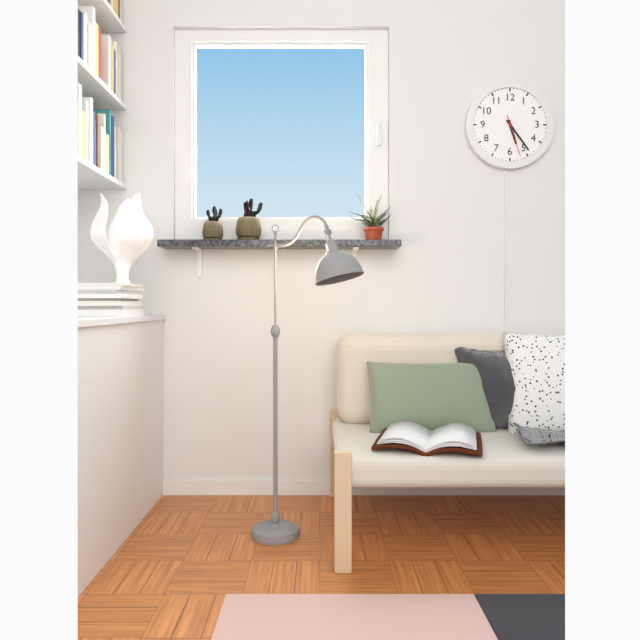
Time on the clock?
5:24
